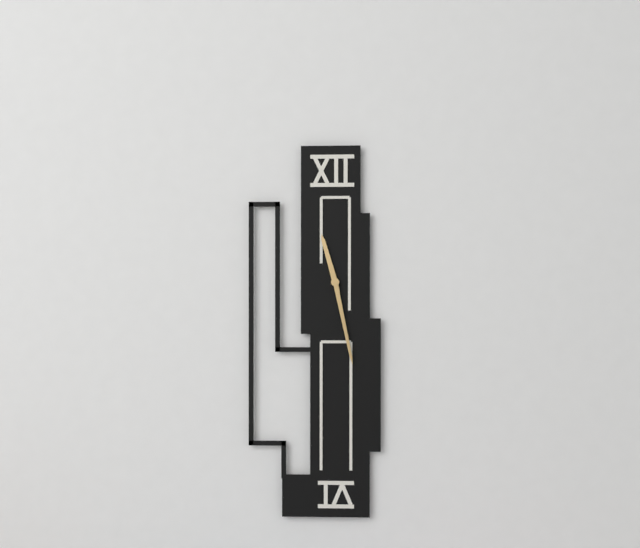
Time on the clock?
11:28
